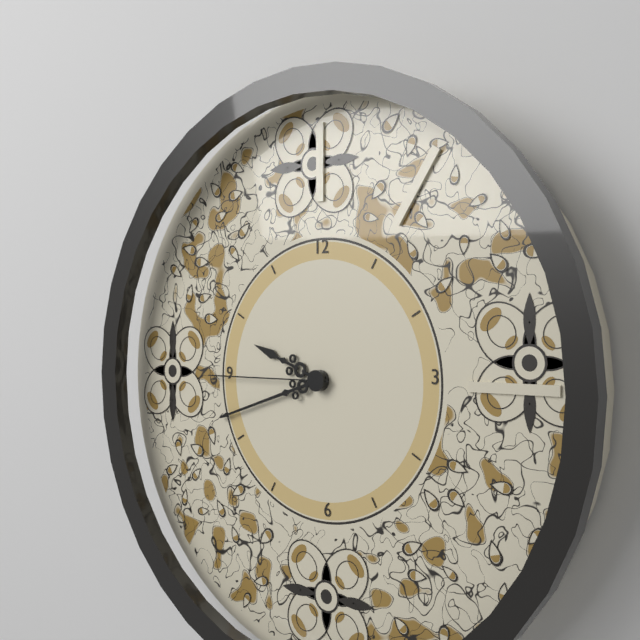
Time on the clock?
9:42:45
